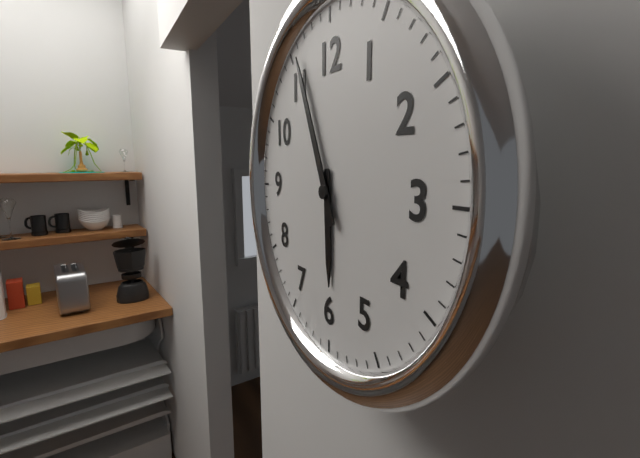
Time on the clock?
5:56
